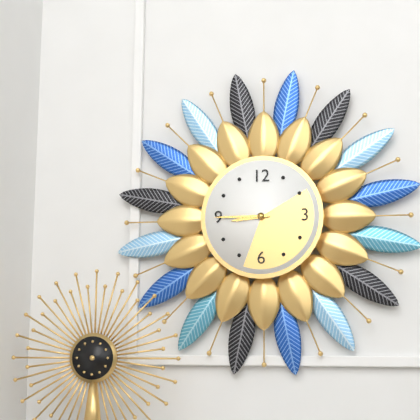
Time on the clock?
8:45
